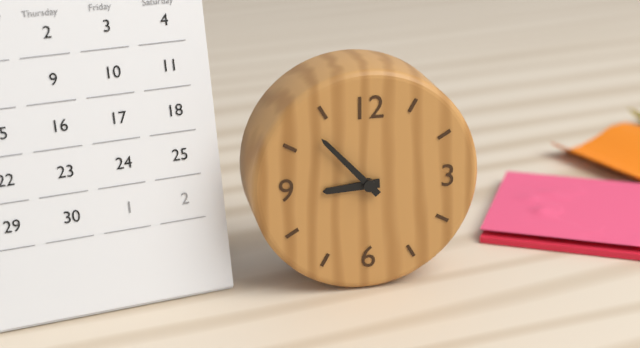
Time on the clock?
8:53
